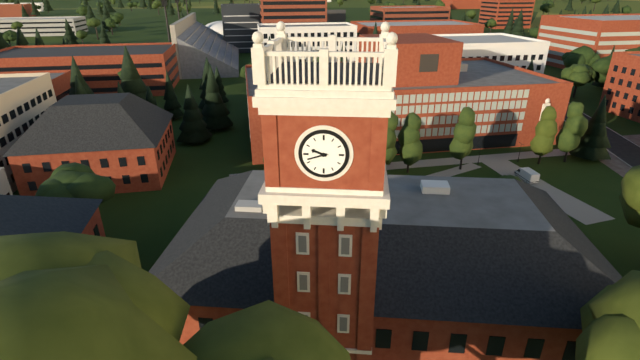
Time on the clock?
9:42
